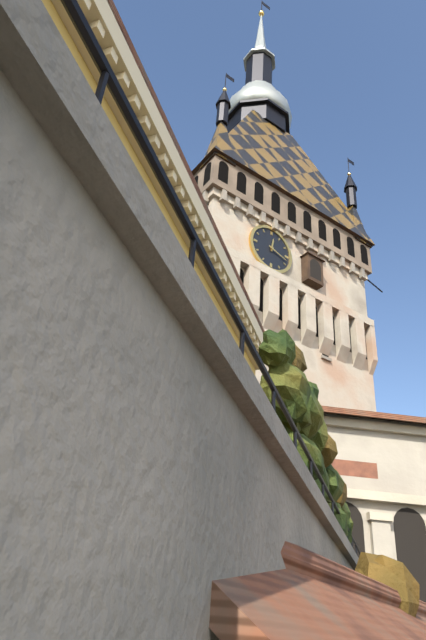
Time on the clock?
12:18
